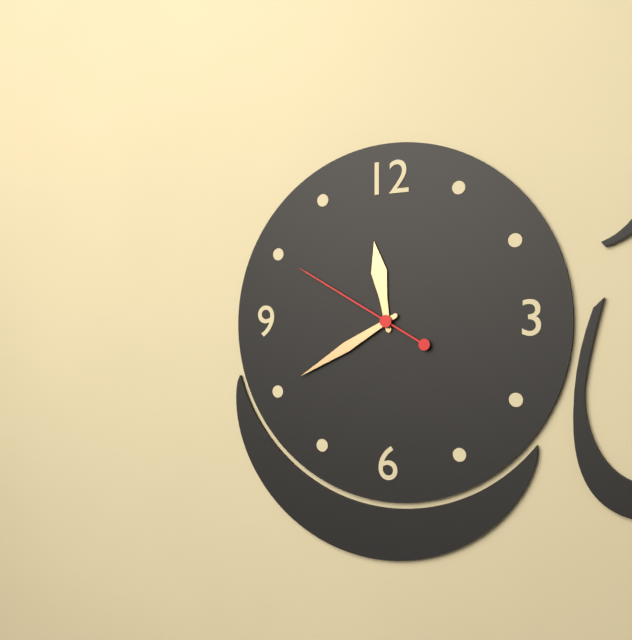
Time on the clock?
11:40:50
